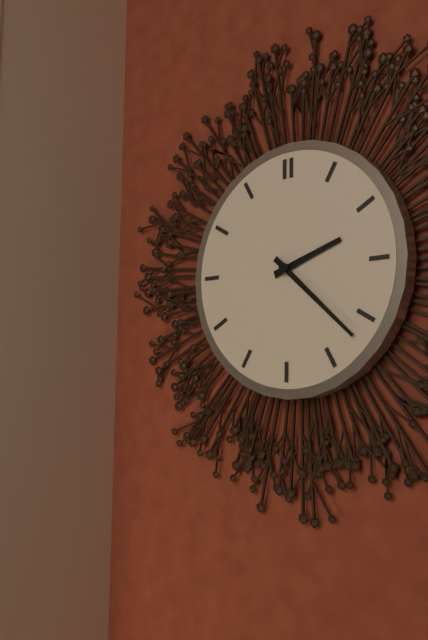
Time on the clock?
2:22
